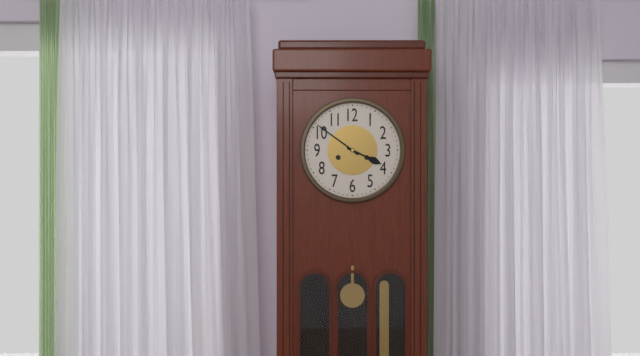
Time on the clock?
3:51
